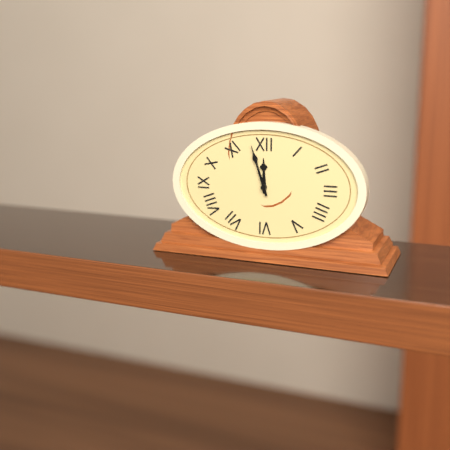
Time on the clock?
11:57
